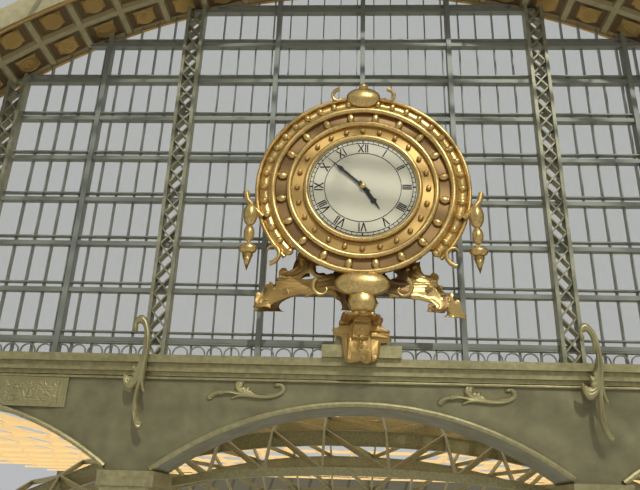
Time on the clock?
4:52
